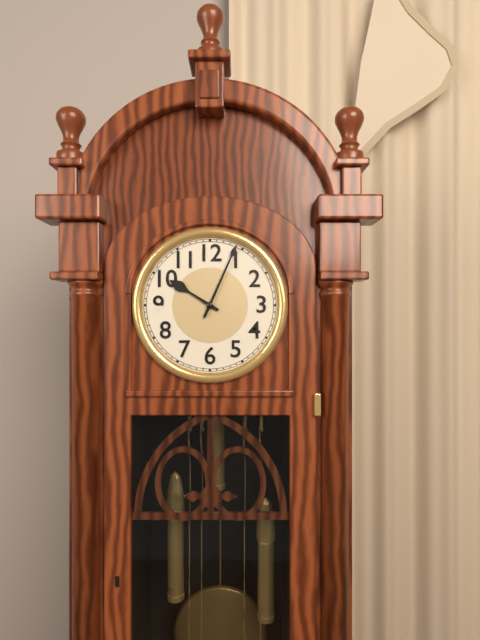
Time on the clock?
10:04
